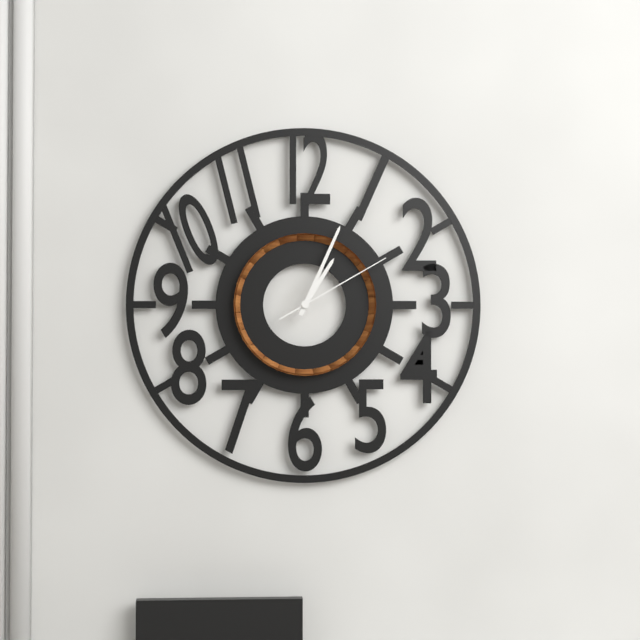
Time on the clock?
1:04:10
